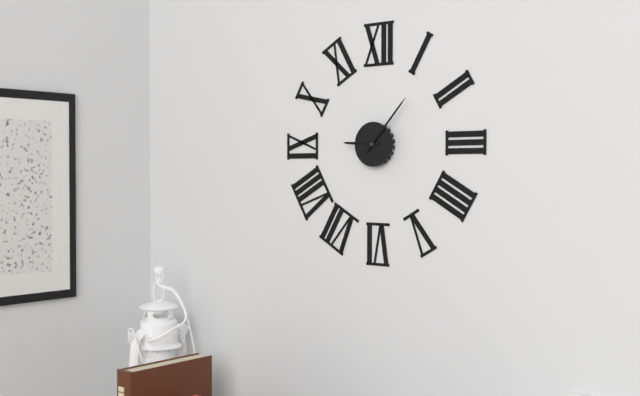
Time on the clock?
9:07
